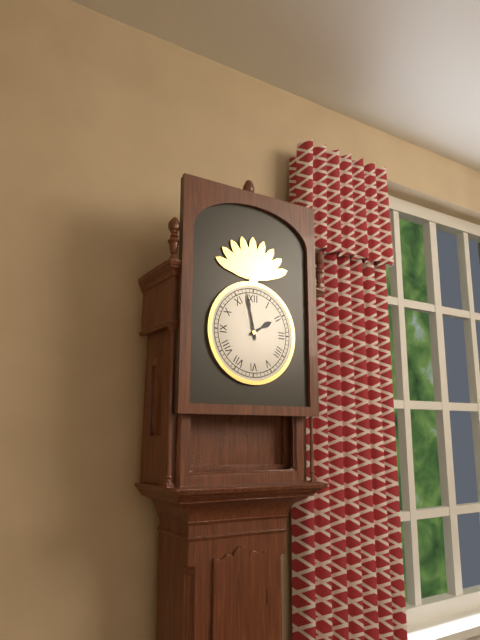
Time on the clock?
1:58
